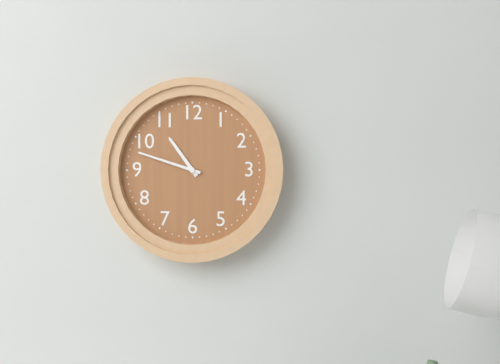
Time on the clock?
10:48
